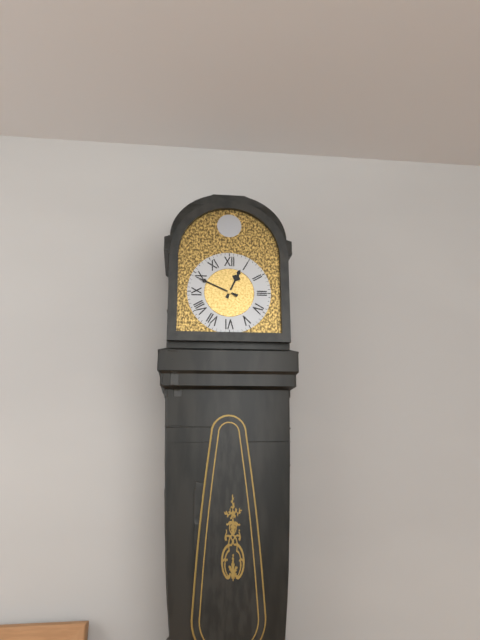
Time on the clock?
12:49
